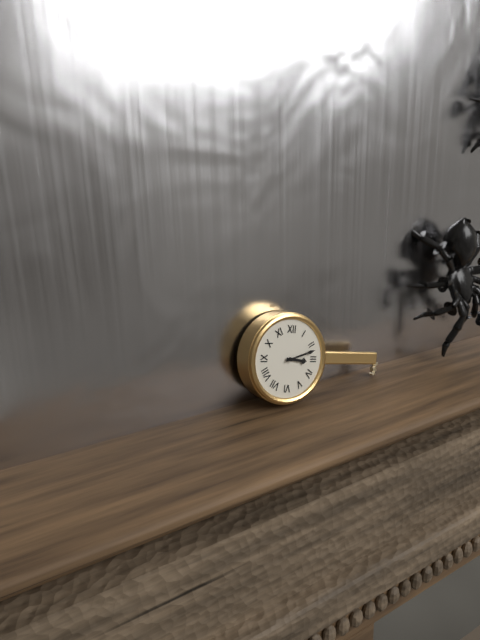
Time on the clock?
3:12
